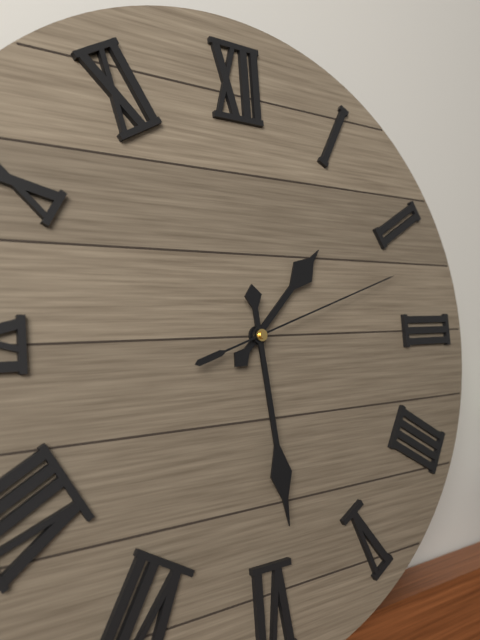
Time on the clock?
1:29:12
